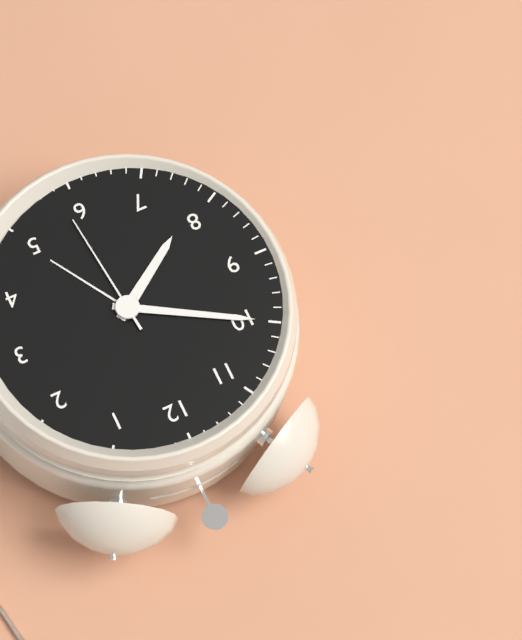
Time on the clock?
7:50:29
